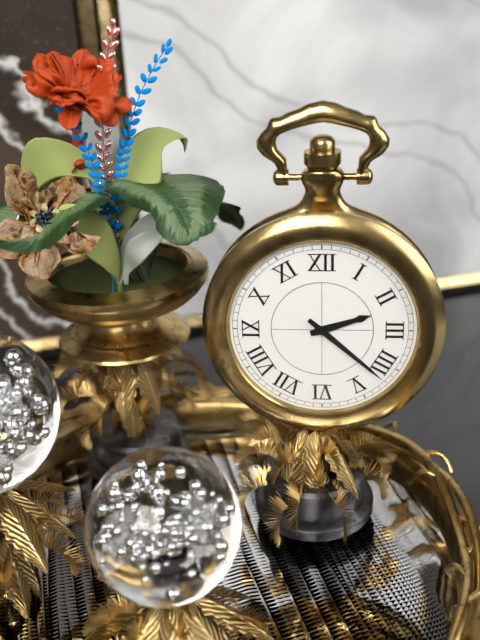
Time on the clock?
2:22
